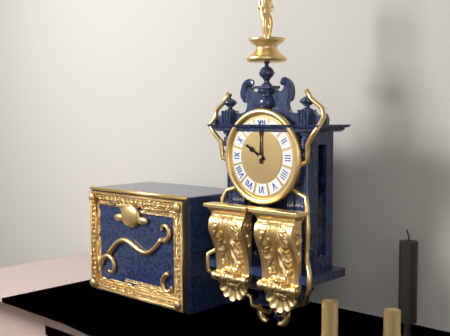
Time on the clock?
10:00
